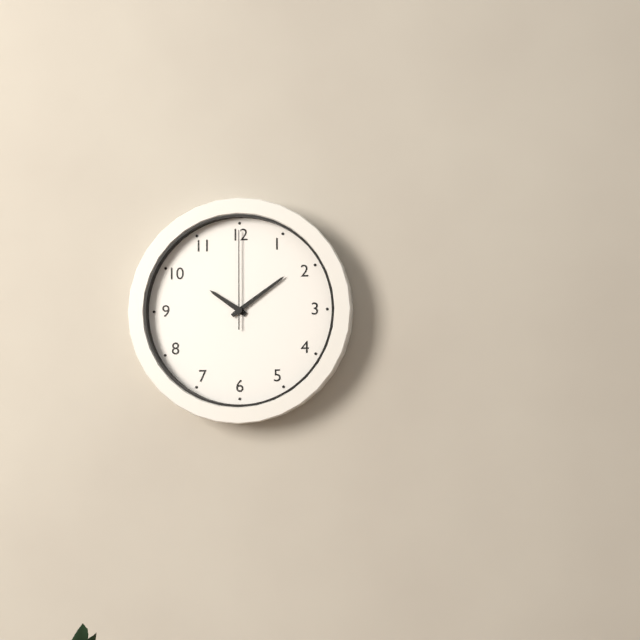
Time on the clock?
10:09:00
